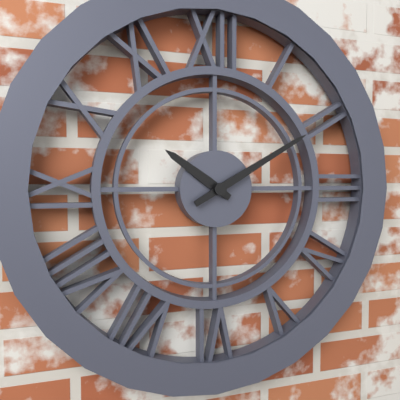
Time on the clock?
10:10
